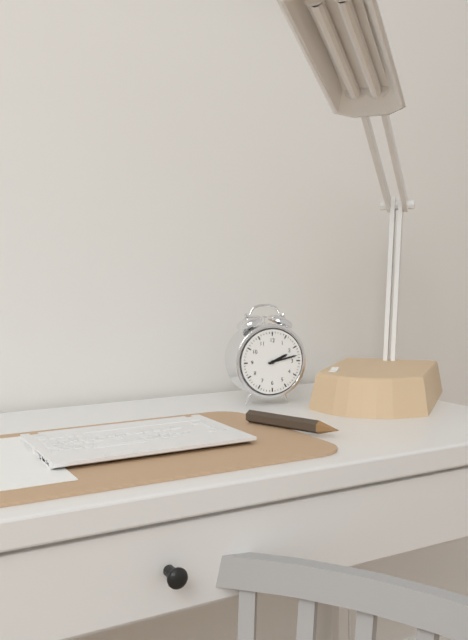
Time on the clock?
2:13
